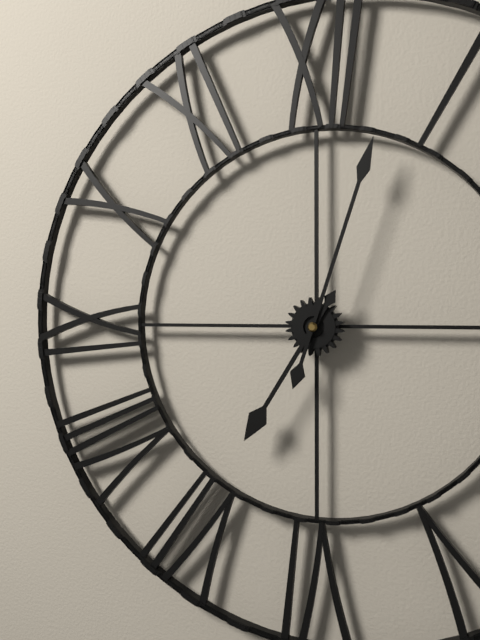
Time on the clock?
7:03
